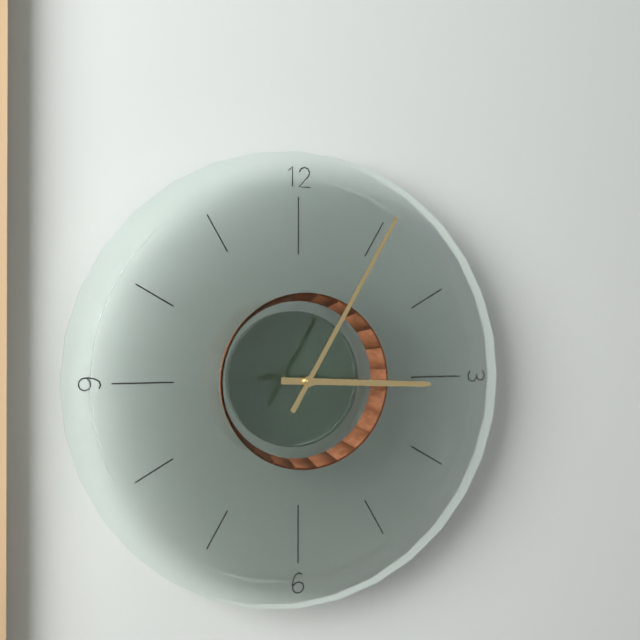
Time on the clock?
3:05
